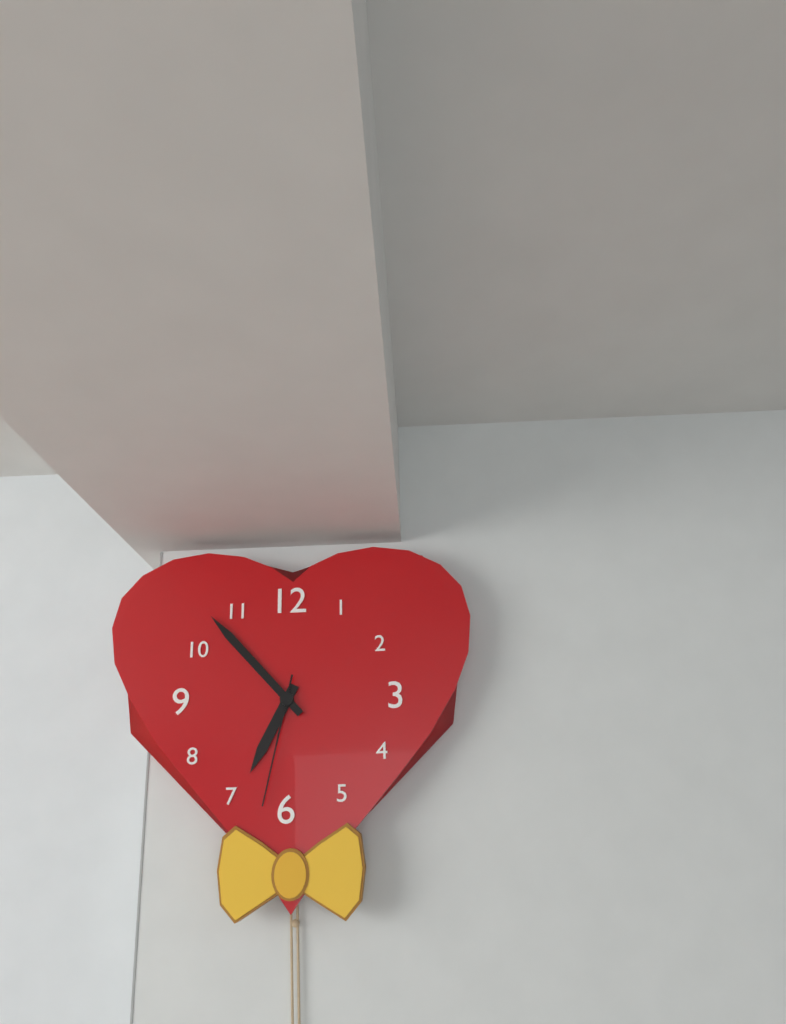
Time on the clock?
6:53:32
